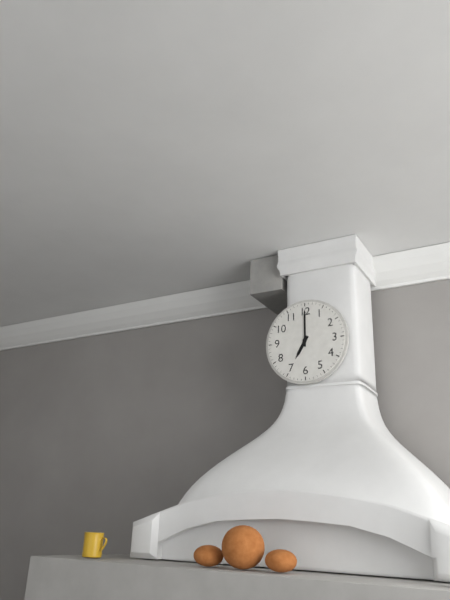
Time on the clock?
7:00
